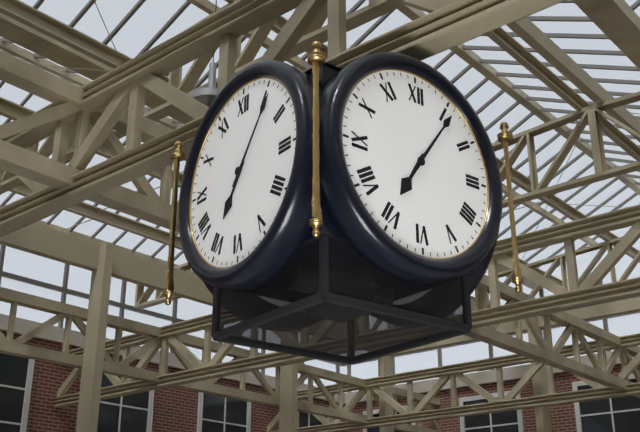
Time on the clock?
7:06
